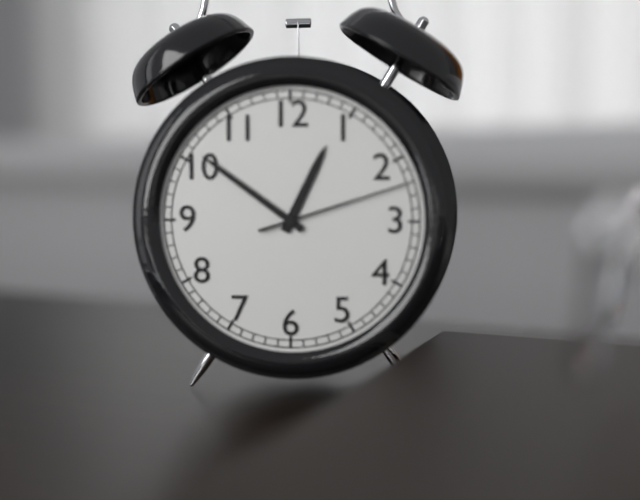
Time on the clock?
12:51:12
